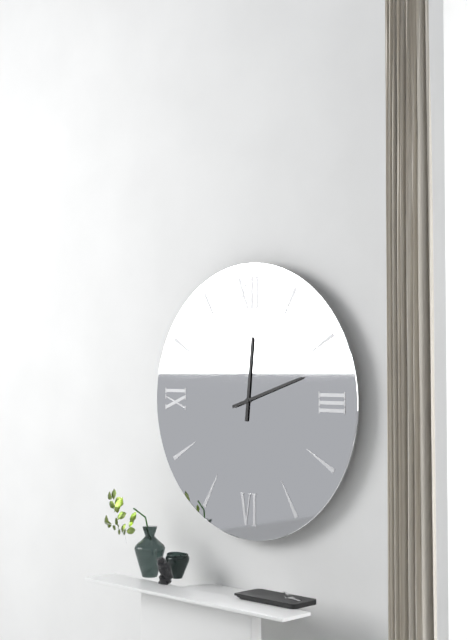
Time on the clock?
12:12
